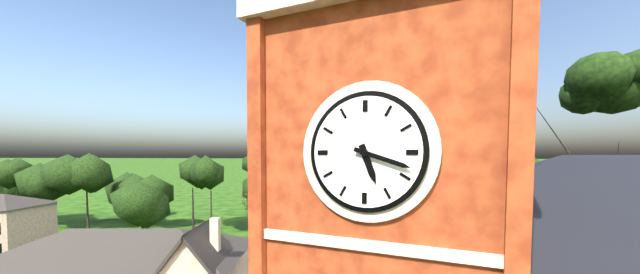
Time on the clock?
5:18
